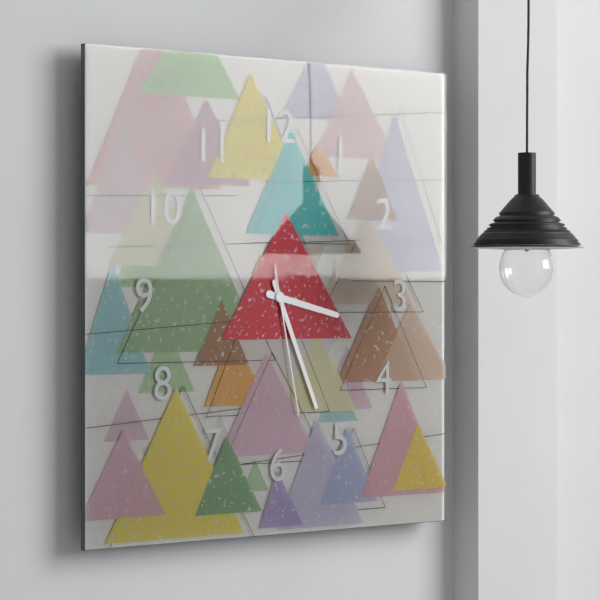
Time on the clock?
3:26:28
